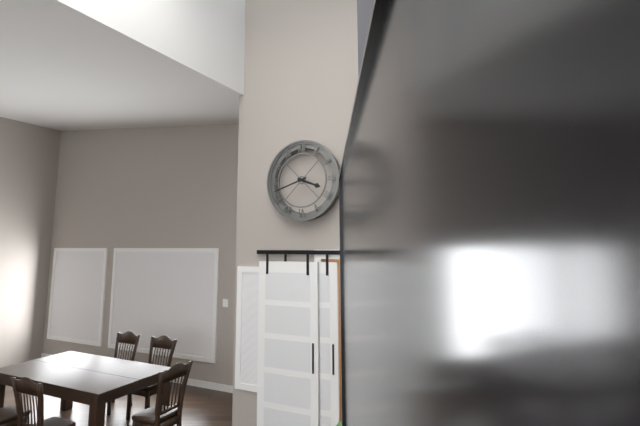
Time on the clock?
3:42
